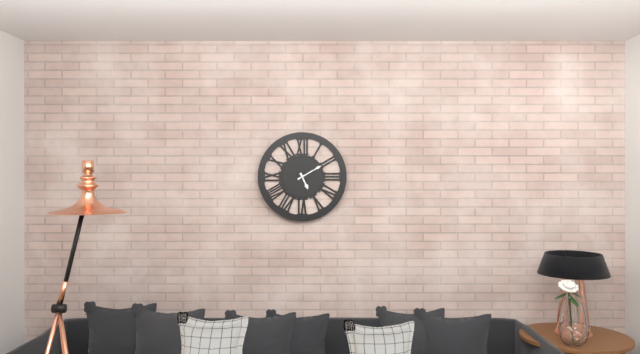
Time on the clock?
5:10
